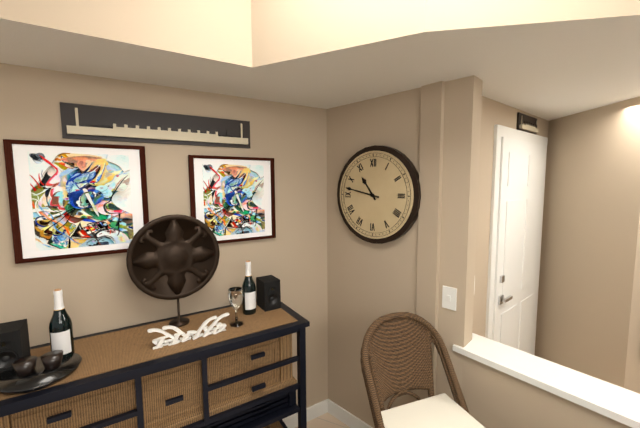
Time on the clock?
10:47
